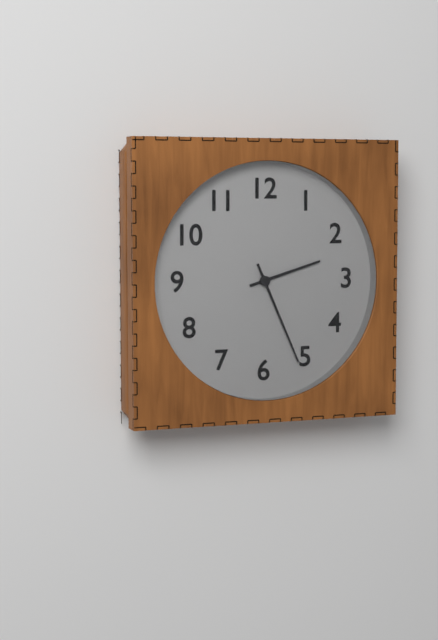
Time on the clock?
2:26
